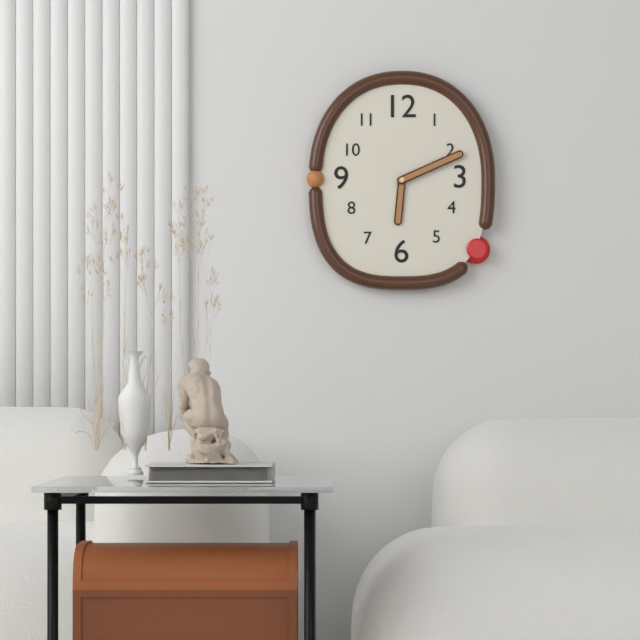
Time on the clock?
6:11
